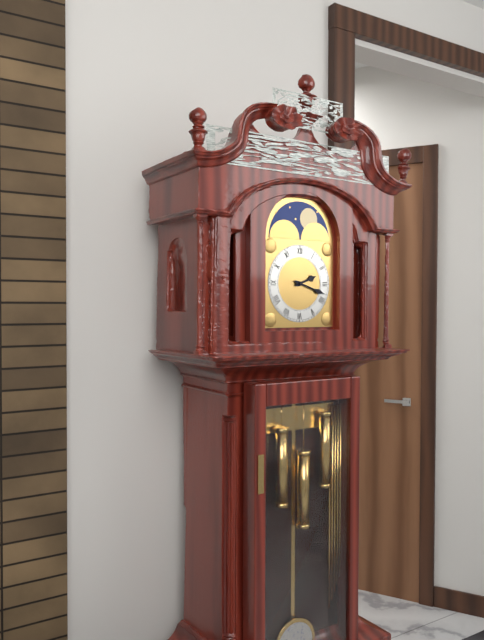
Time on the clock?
2:18
